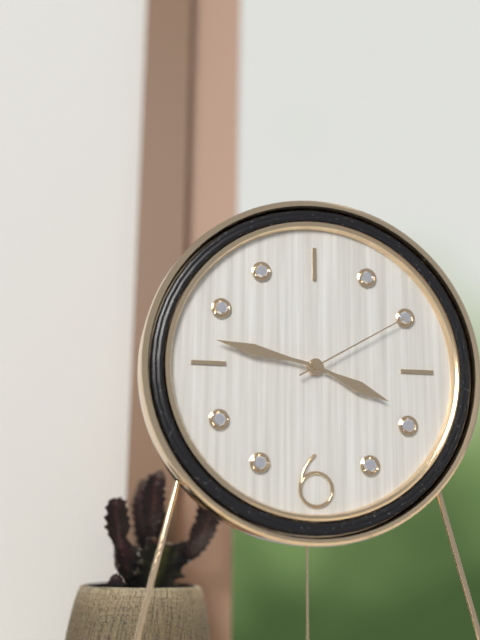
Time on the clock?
3:47:10
